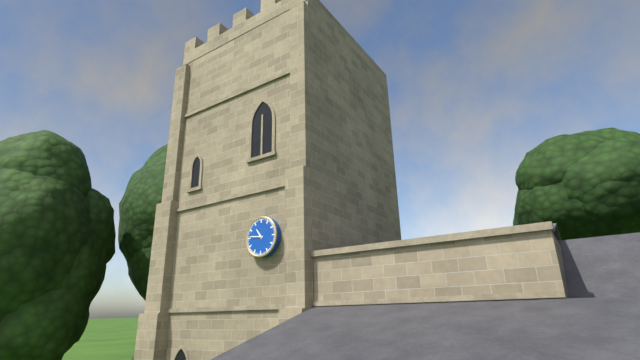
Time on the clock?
10:46
